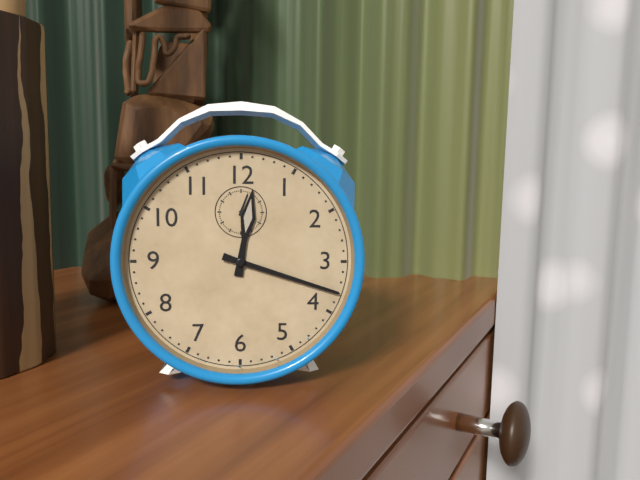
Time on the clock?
12:18
